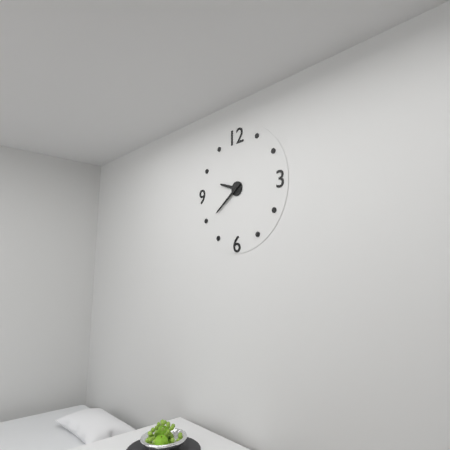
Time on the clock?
9:39
